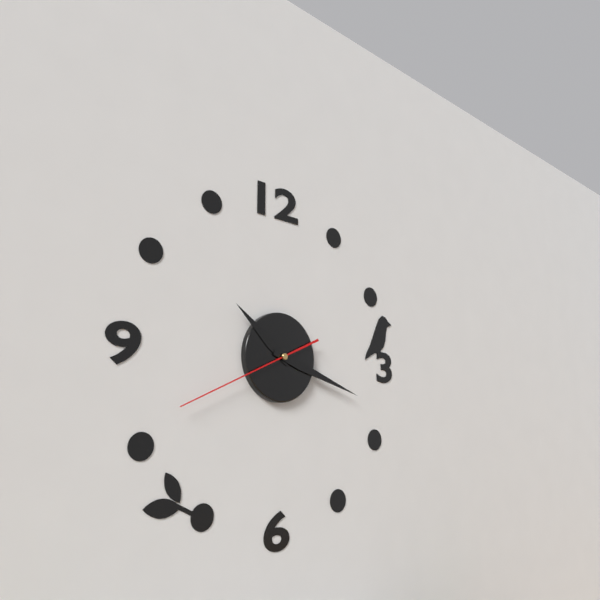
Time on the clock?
10:18:41
